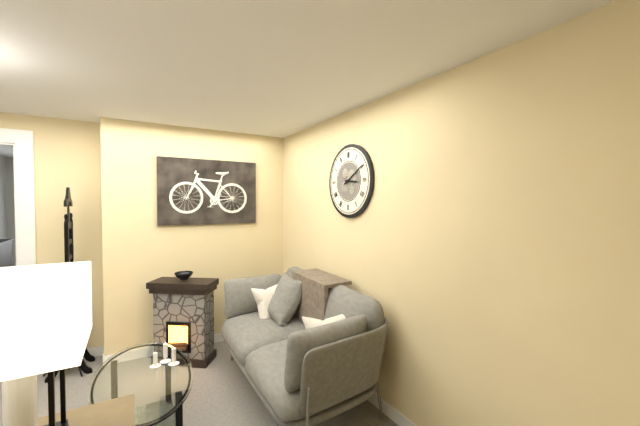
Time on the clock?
3:10
